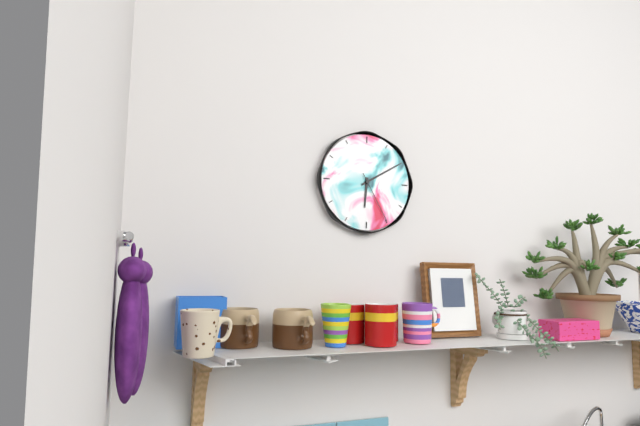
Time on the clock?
6:10:25
